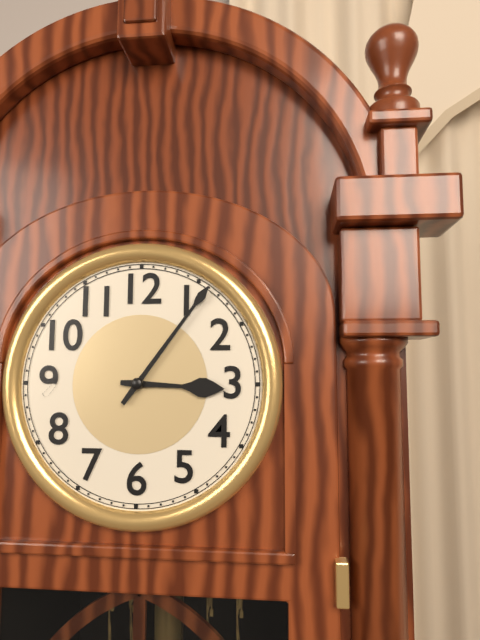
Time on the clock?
3:06
